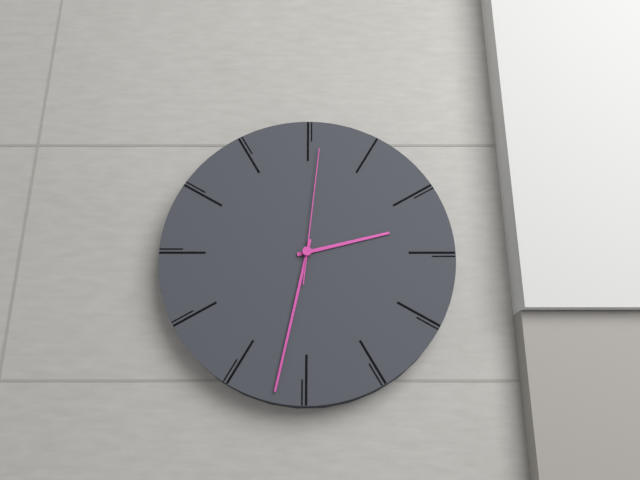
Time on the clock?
2:32:01
